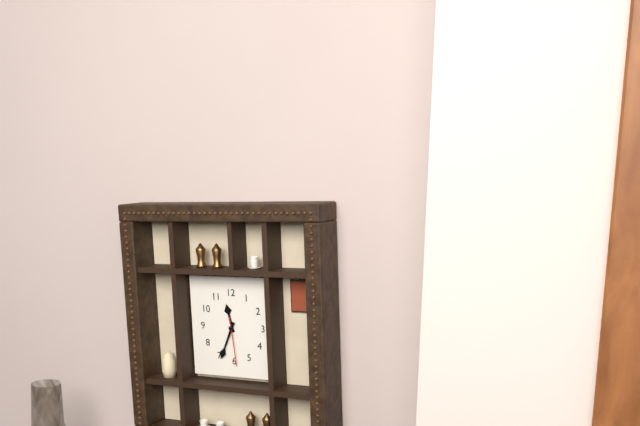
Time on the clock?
11:34
